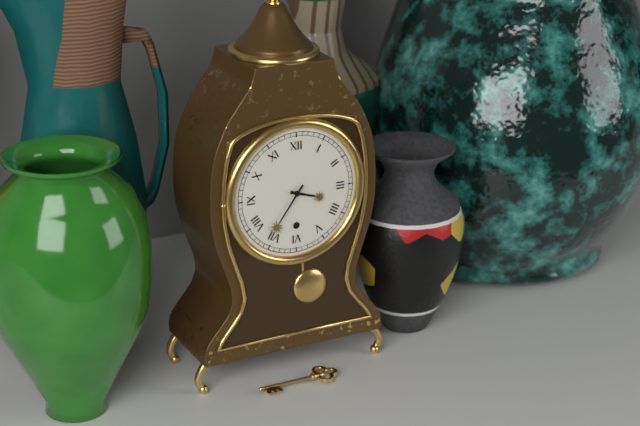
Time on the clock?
3:36
